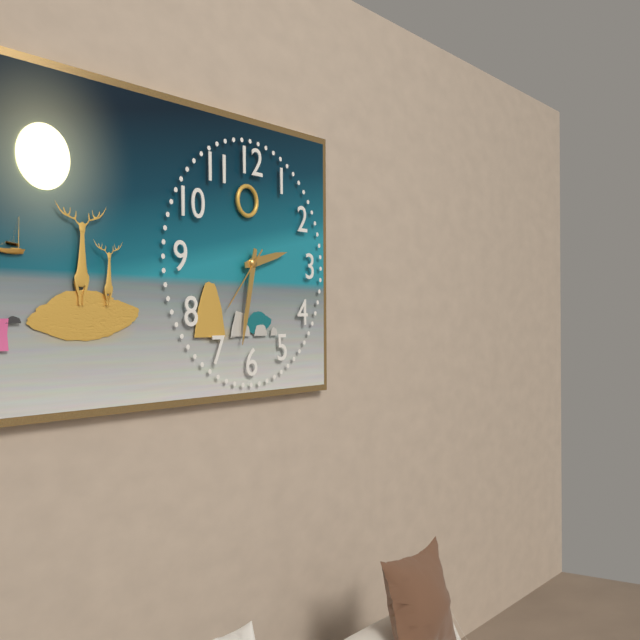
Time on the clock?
2:32:37
